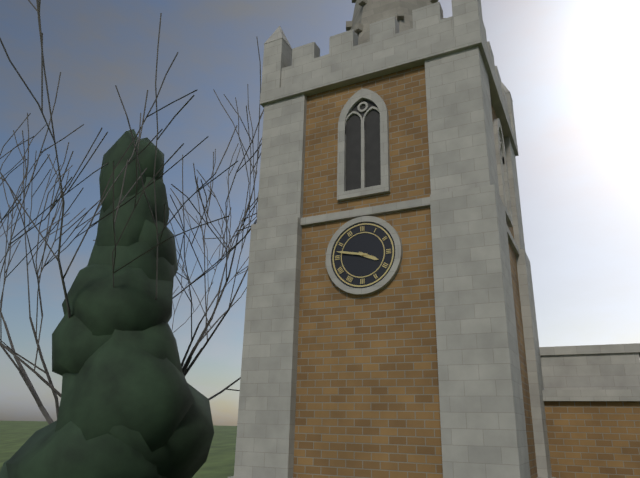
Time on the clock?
3:47
